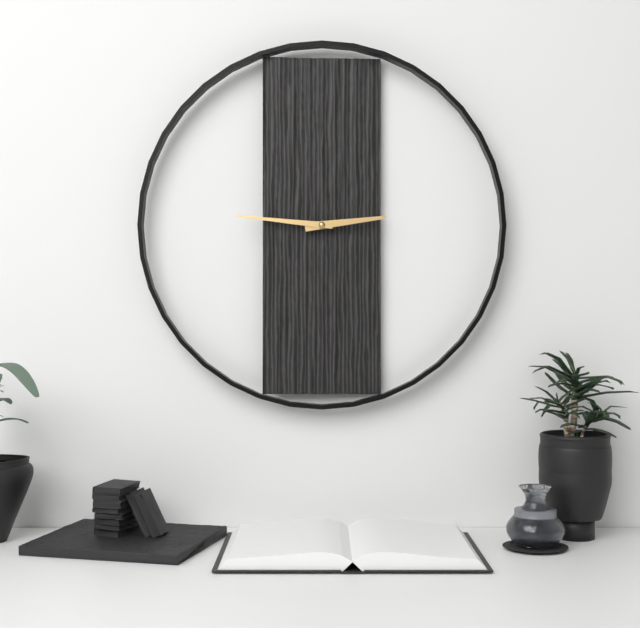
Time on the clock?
2:46
